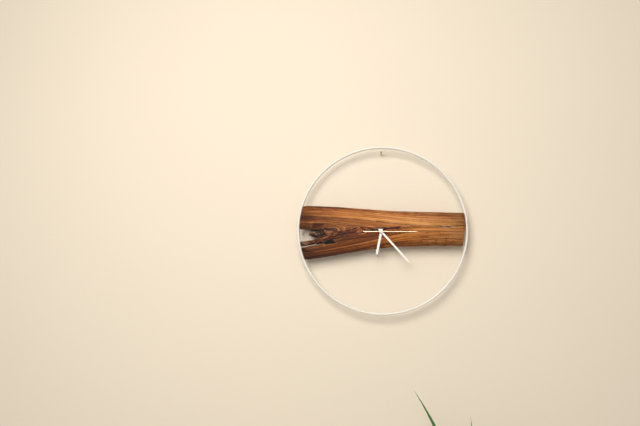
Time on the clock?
6:23
